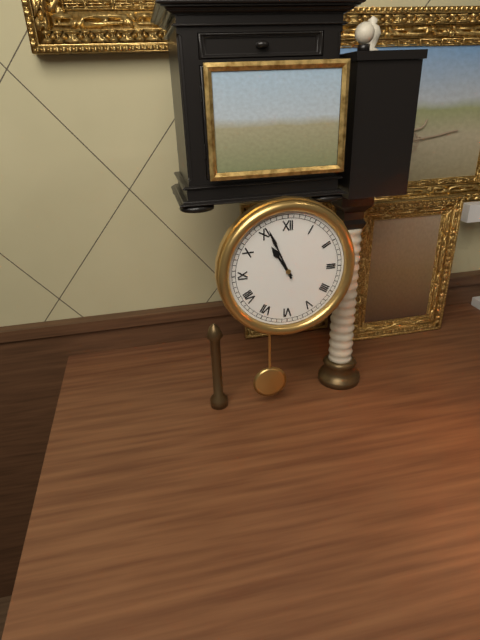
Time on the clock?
10:56
